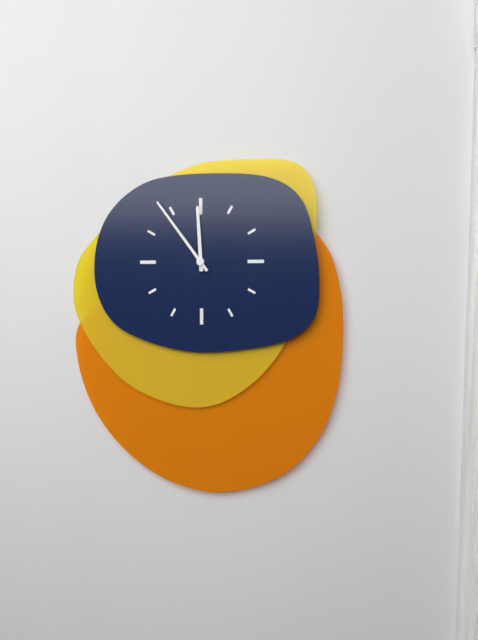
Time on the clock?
11:54
